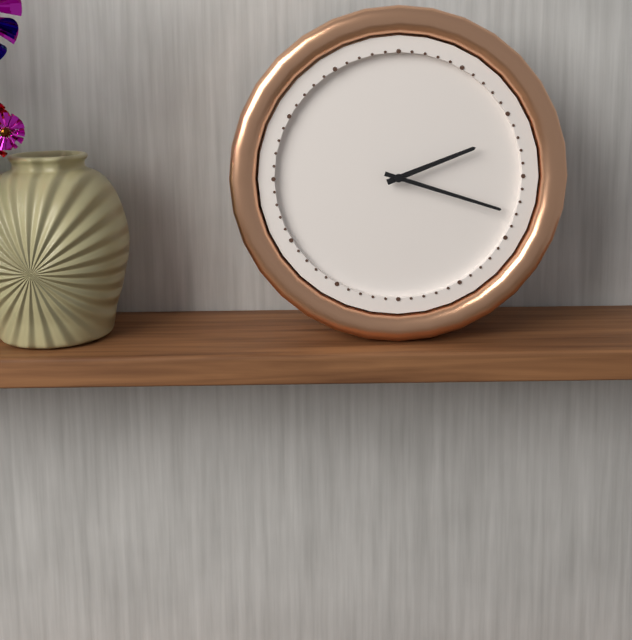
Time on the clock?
2:18
